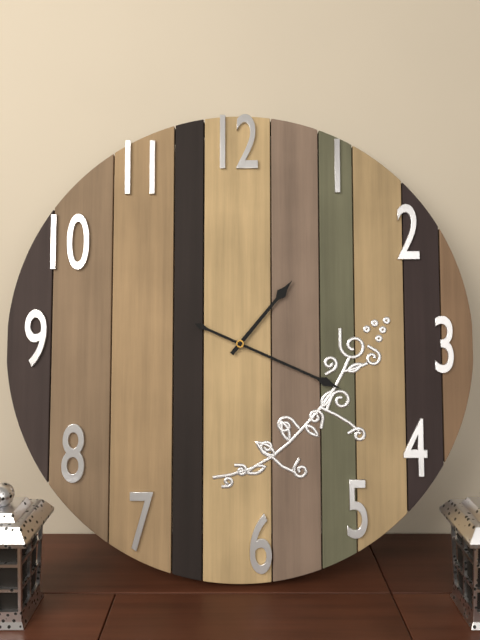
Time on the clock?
1:19
